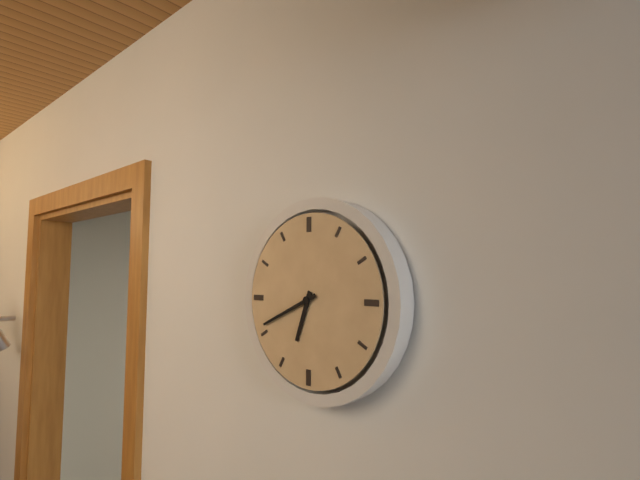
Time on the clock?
6:41
